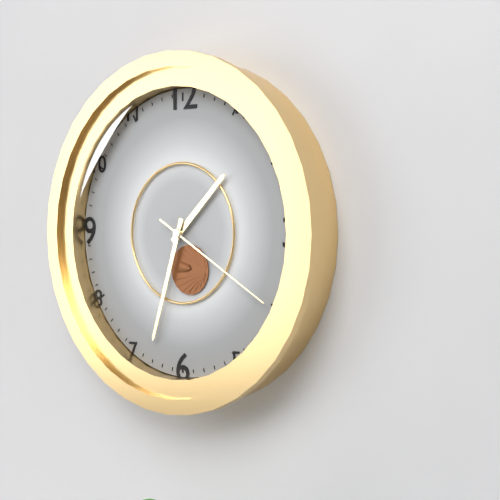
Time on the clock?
1:33:20
